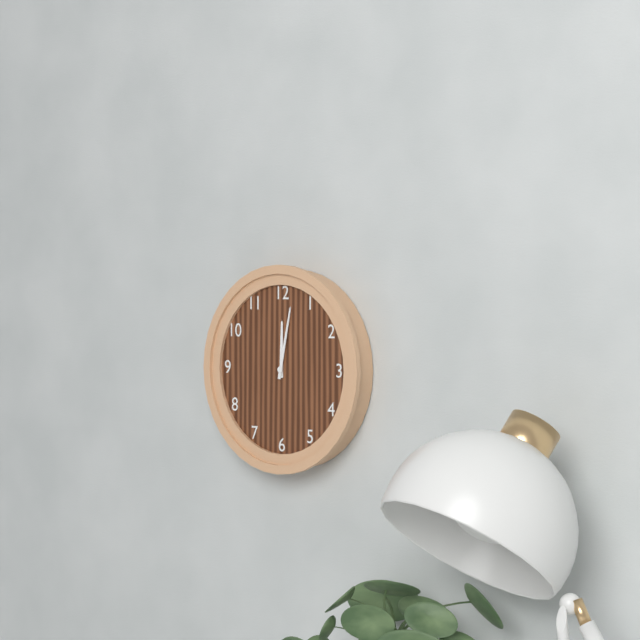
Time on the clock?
12:02
